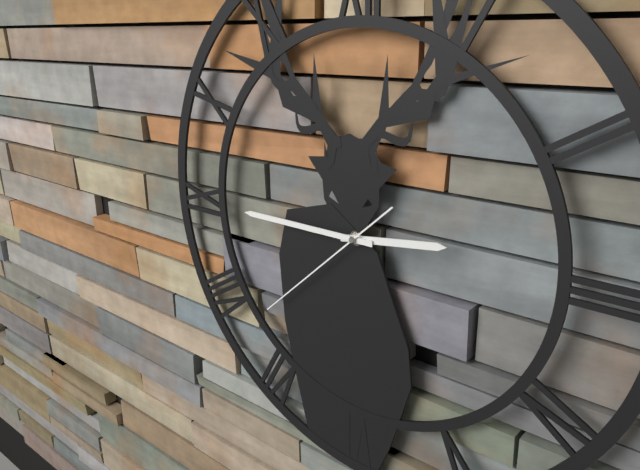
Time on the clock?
2:45:38
